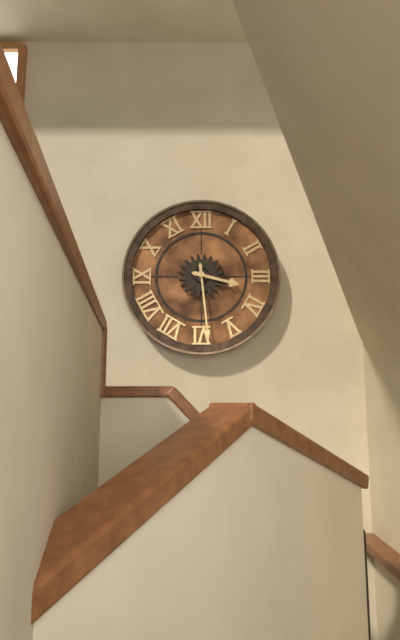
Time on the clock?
3:29
